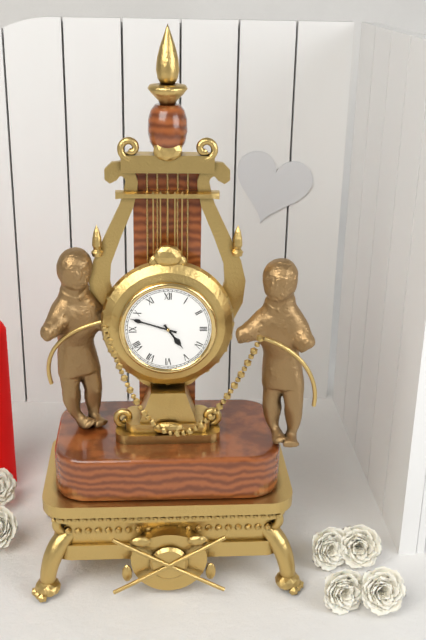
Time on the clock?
4:48
